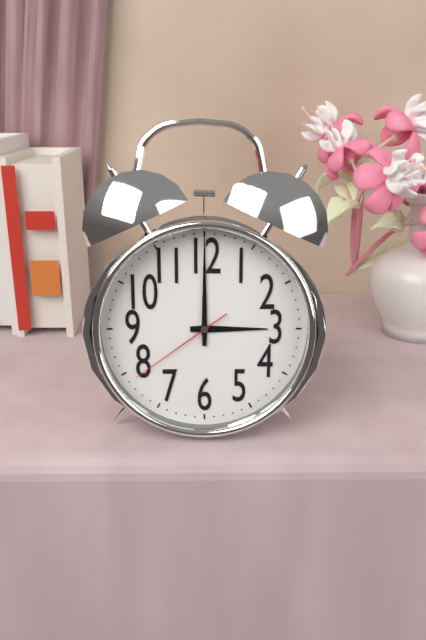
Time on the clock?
3:00:39
